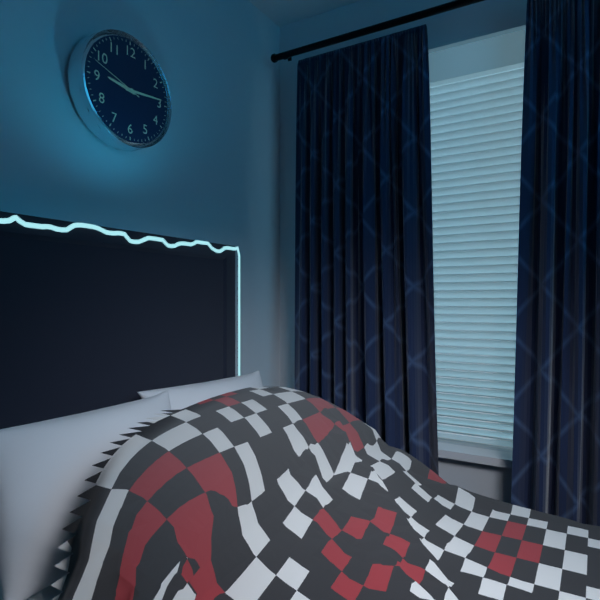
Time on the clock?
9:14:48
